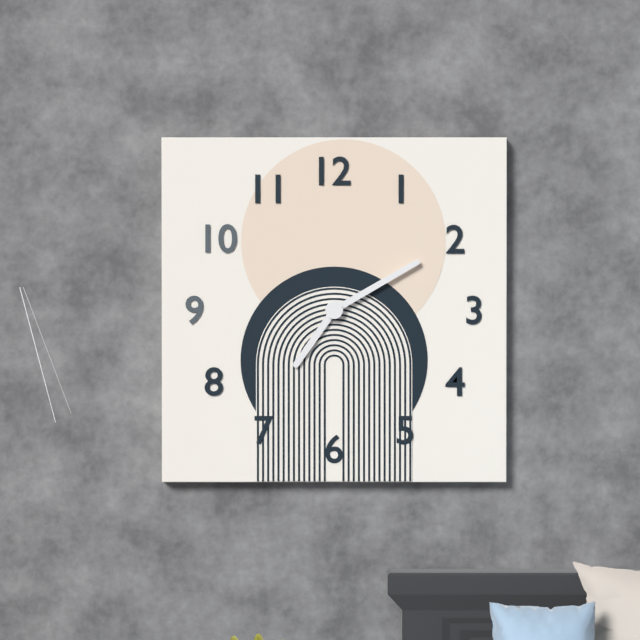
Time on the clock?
7:10
